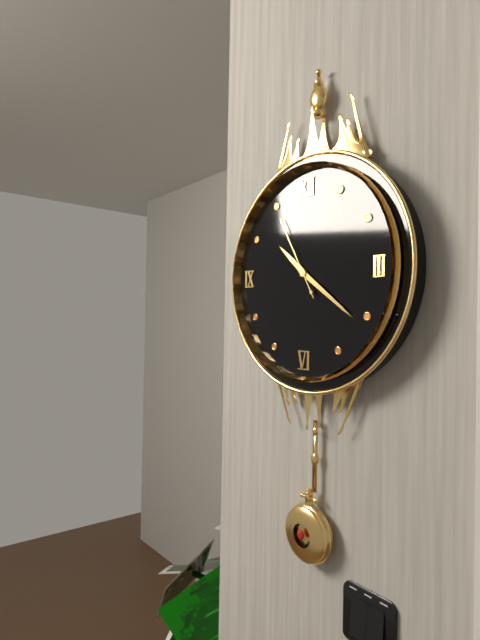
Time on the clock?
10:21:55
